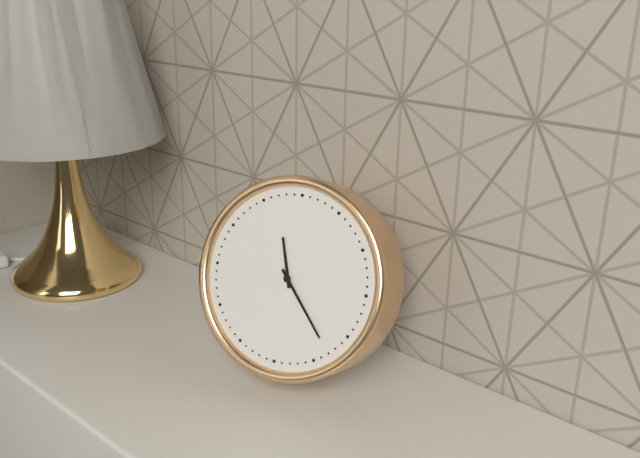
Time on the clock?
11:23
